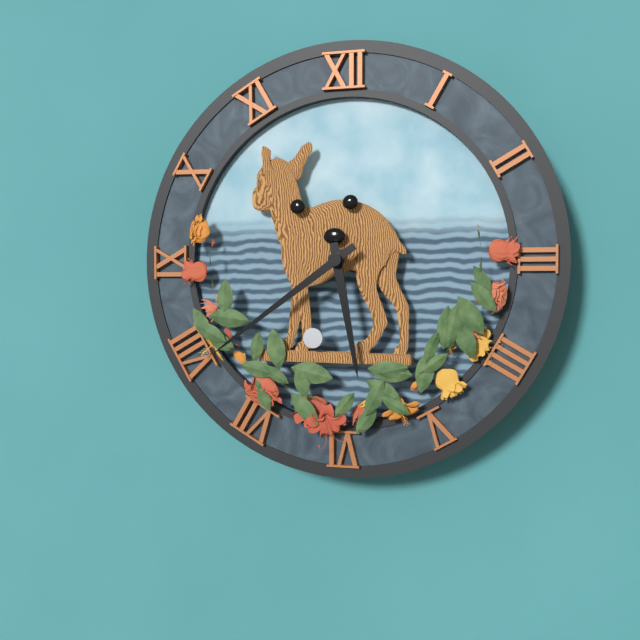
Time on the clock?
5:39
